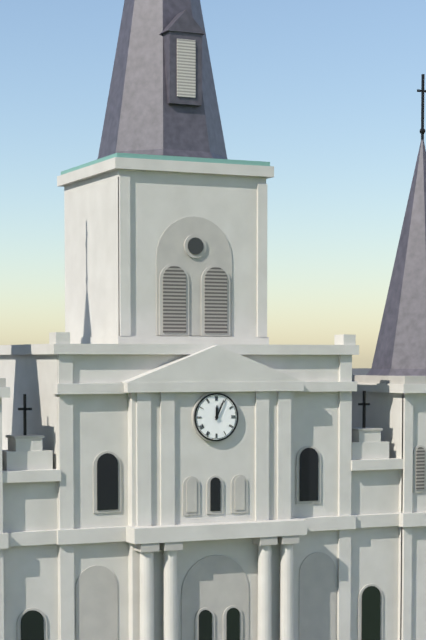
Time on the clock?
12:04
